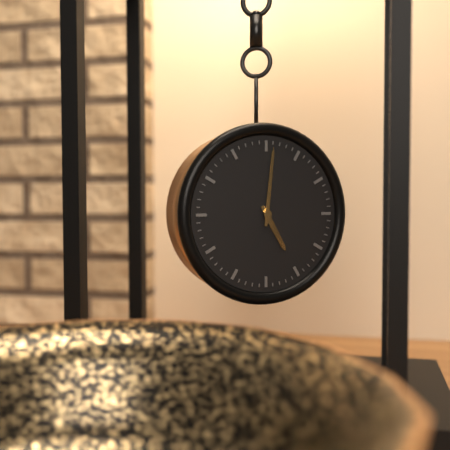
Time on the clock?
5:01
